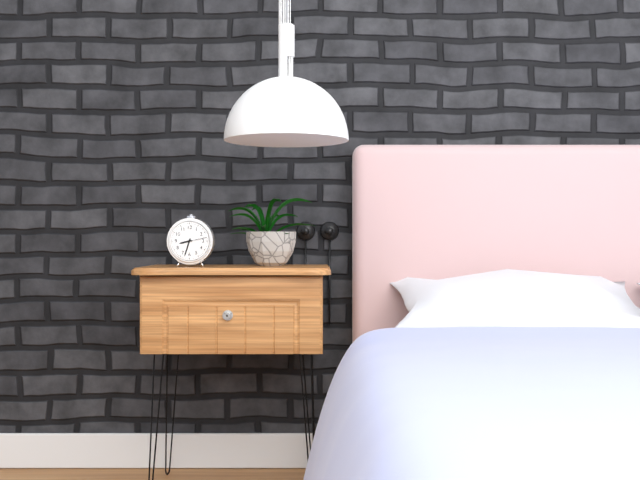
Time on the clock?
8:33
